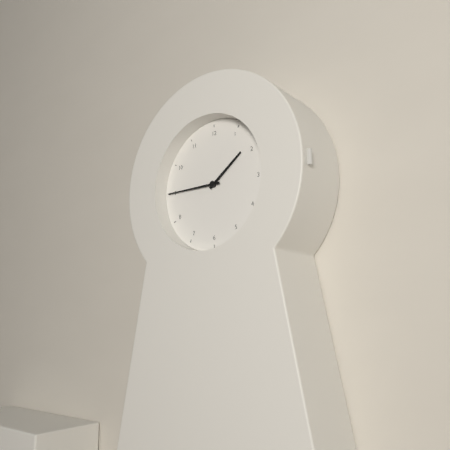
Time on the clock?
1:45
